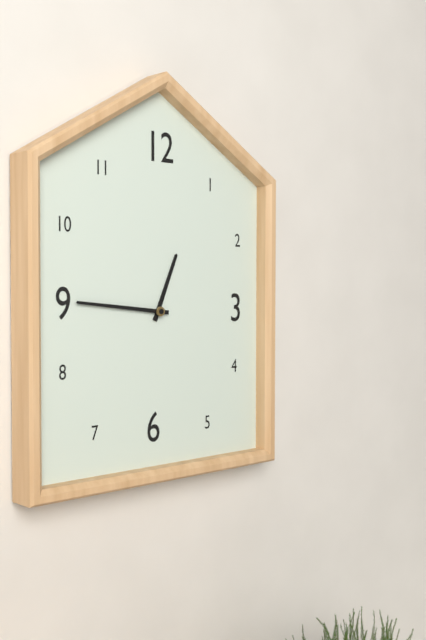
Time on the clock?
12:46
